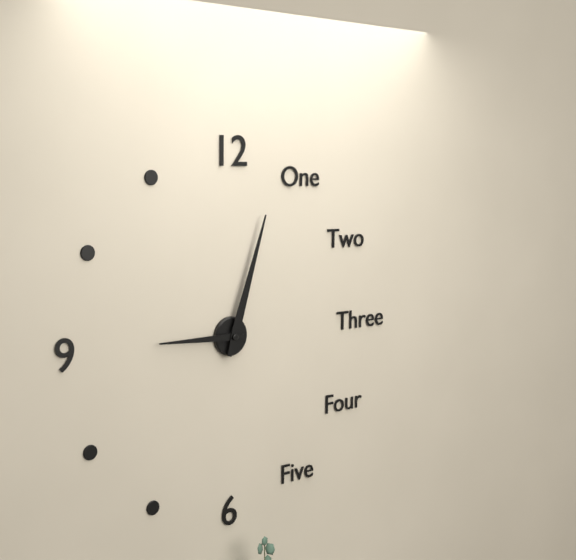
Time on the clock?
9:03
